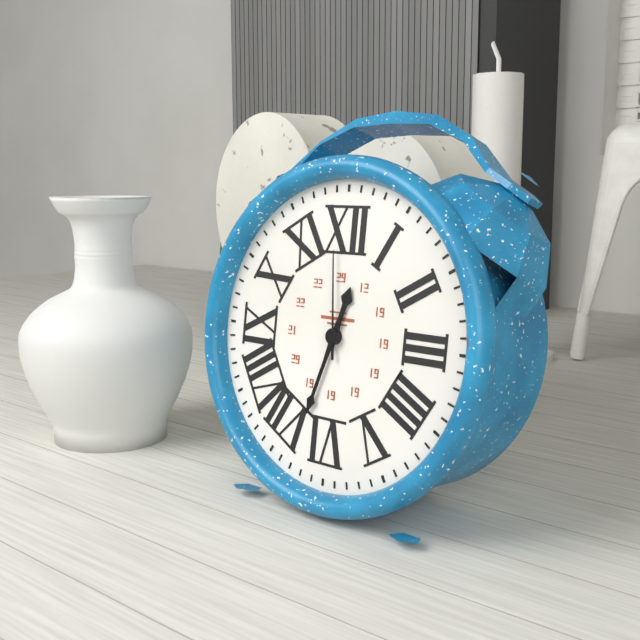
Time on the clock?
12:33:59
